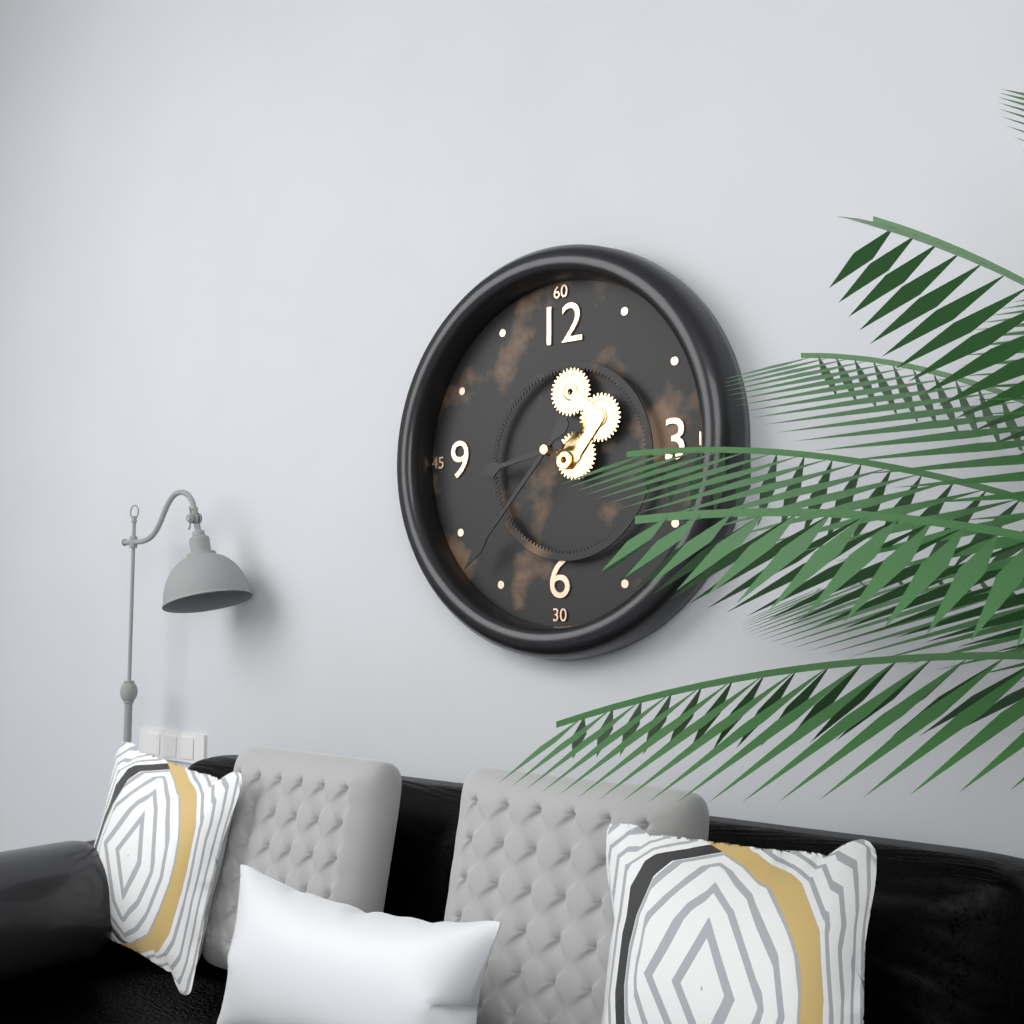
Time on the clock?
8:37
